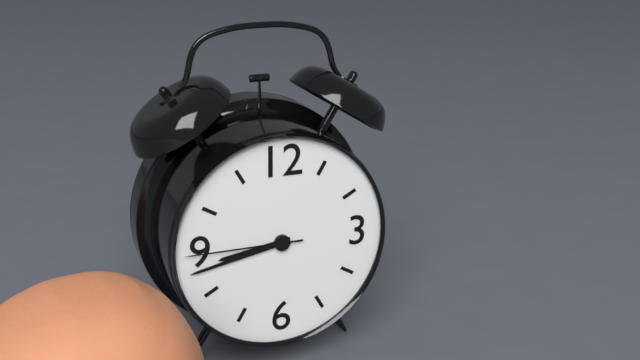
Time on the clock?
8:43:45
